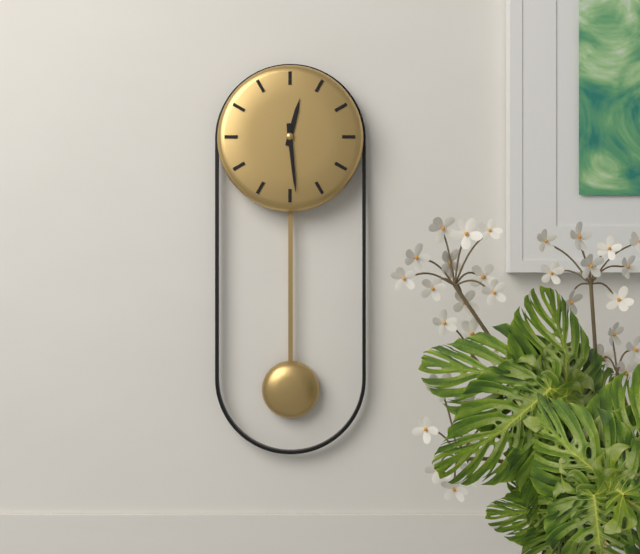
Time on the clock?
12:29
